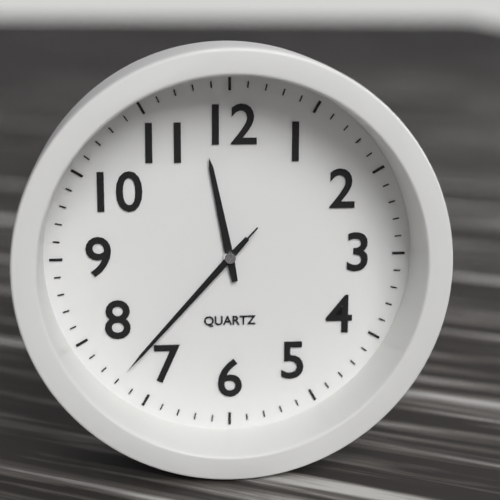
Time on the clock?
11:37:37
